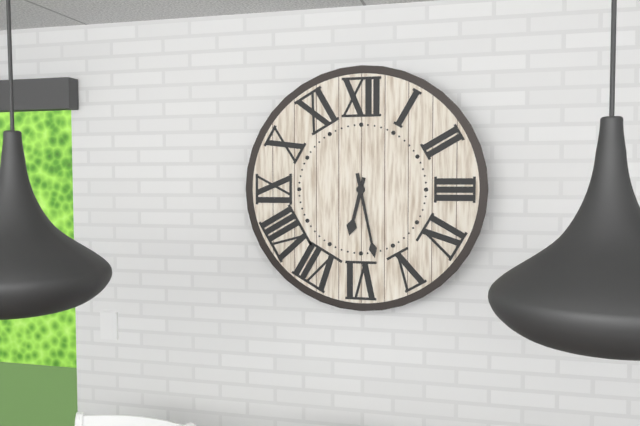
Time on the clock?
6:28
